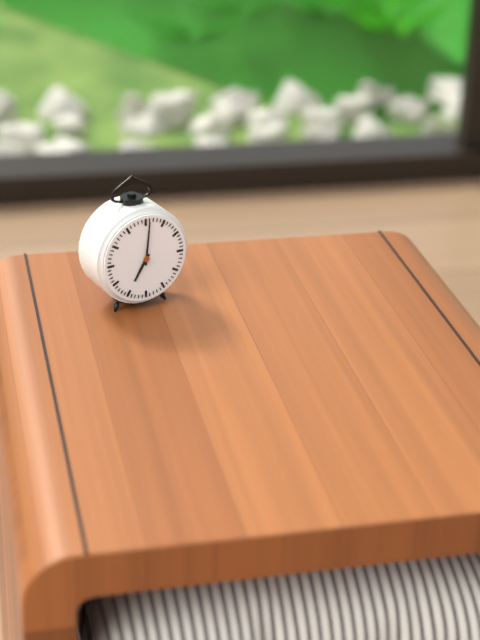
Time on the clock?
7:01
